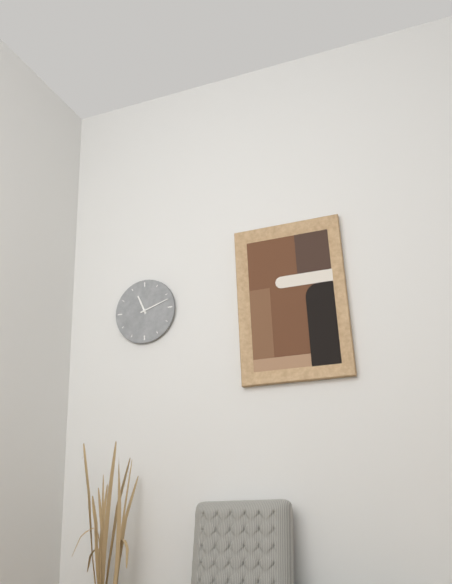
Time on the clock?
11:12
